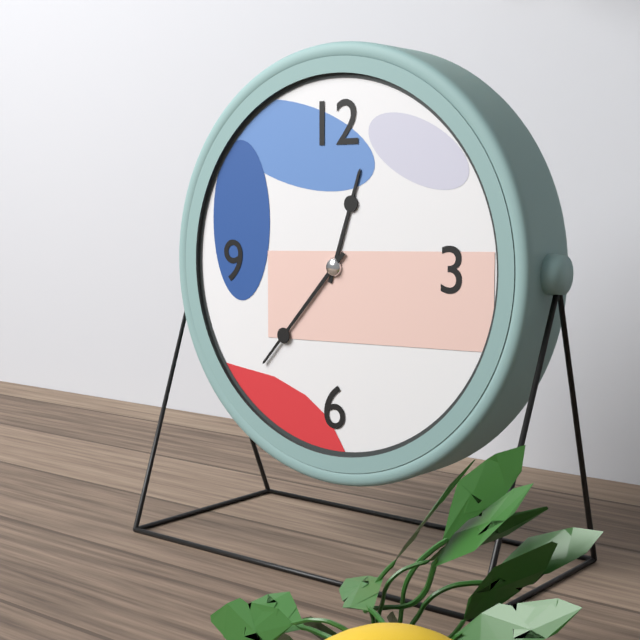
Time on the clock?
12:37
